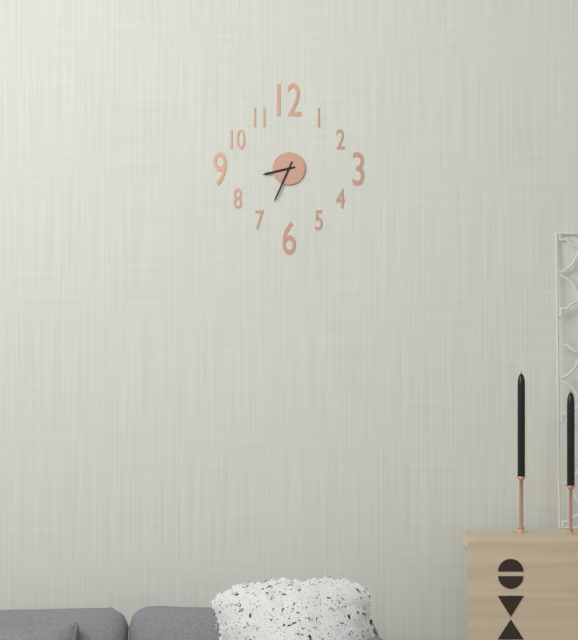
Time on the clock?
8:34
